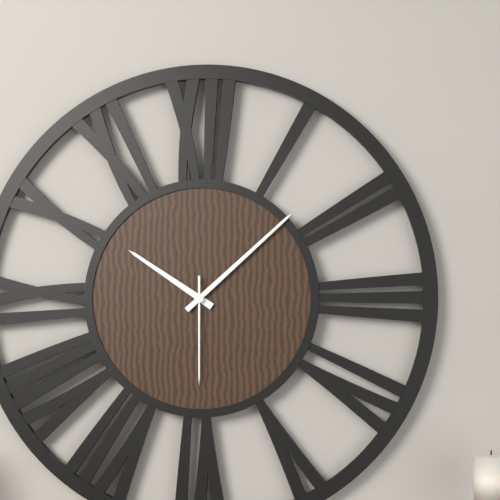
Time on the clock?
10:08:30
